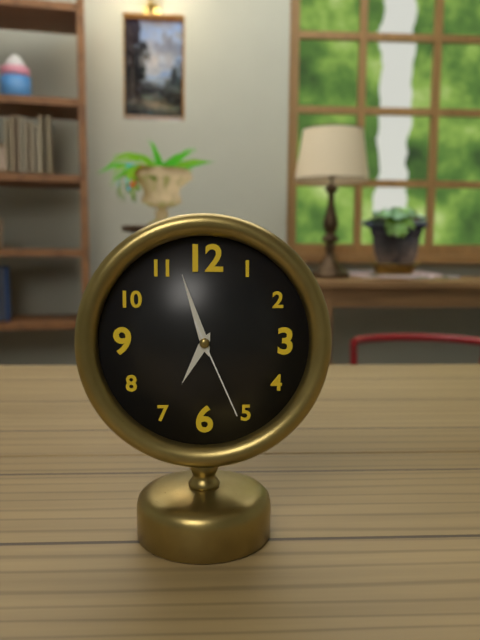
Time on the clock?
6:57:26
